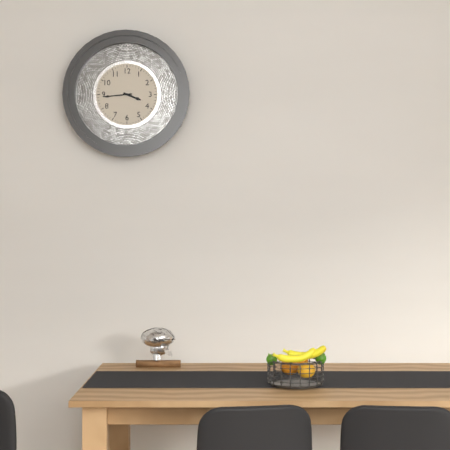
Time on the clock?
3:44
